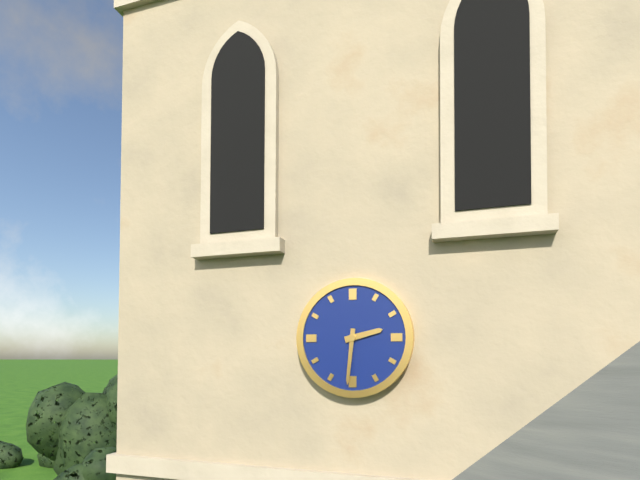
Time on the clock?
2:31
